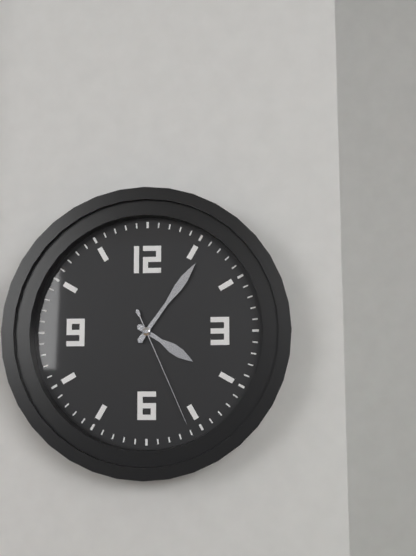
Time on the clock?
4:06:26
